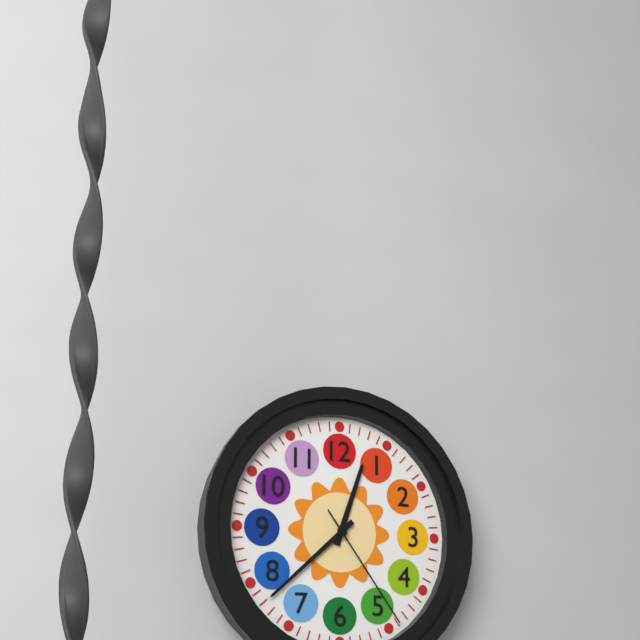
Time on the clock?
12:38:24
